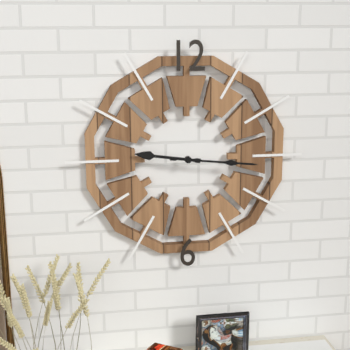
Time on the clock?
9:16
